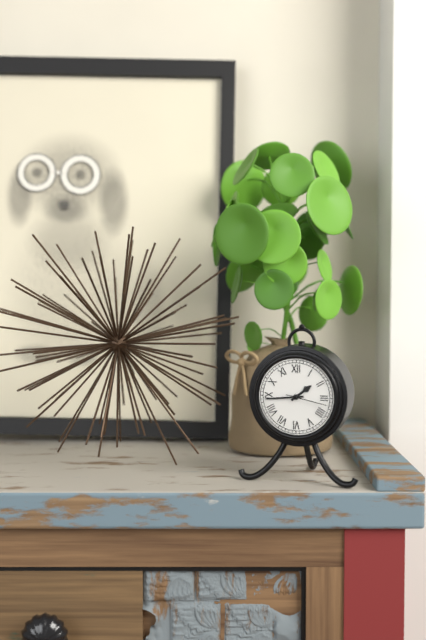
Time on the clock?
1:44
